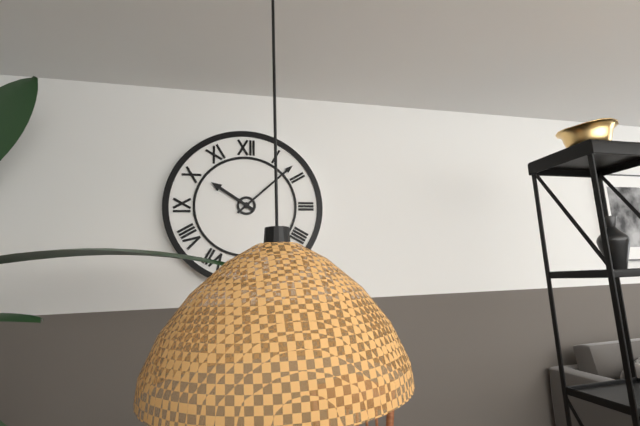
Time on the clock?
10:08
